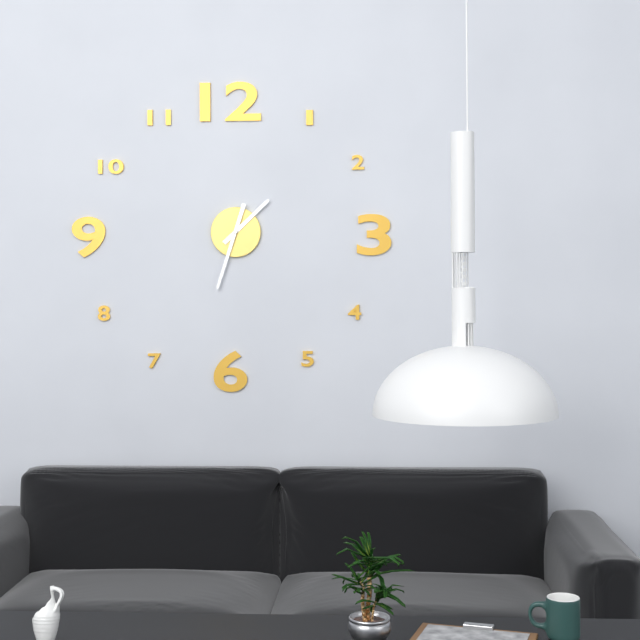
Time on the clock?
1:33
